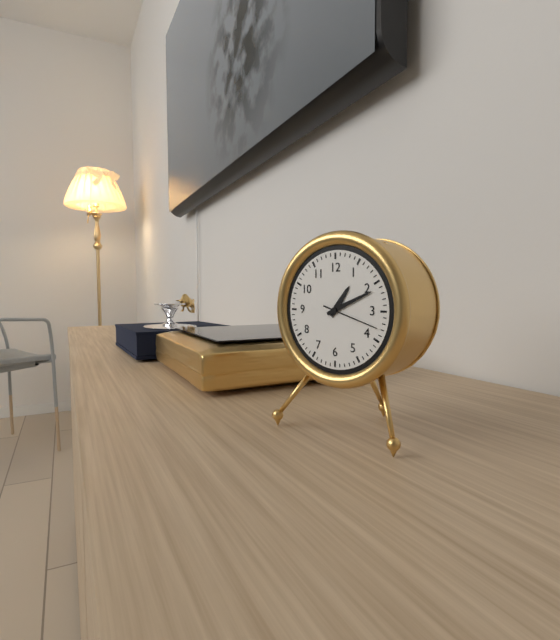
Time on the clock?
1:11:18
